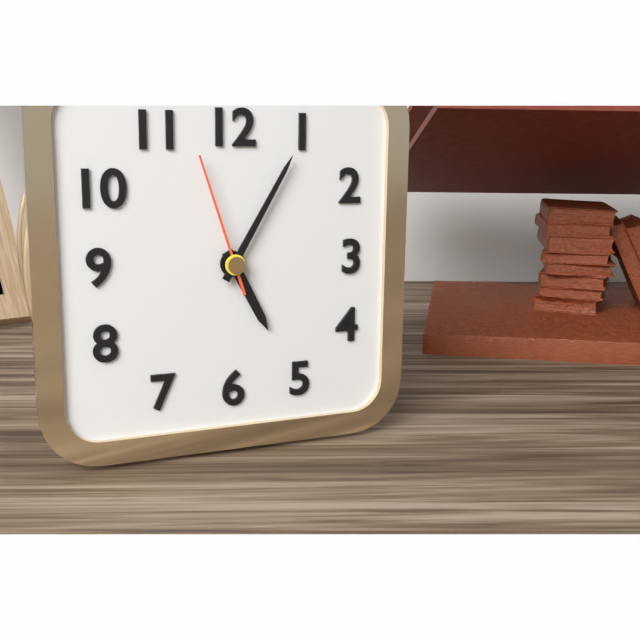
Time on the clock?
5:05:57
